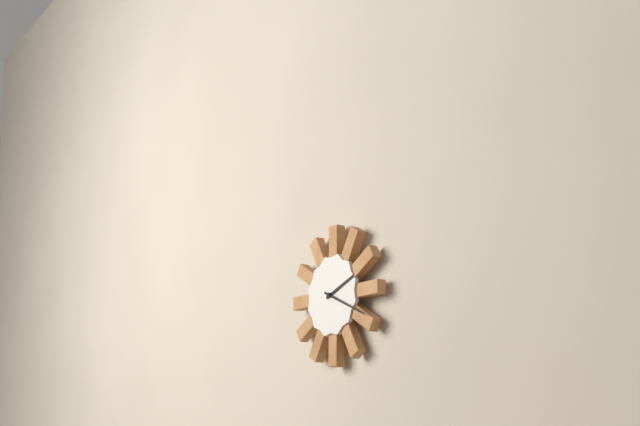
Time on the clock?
2:19
